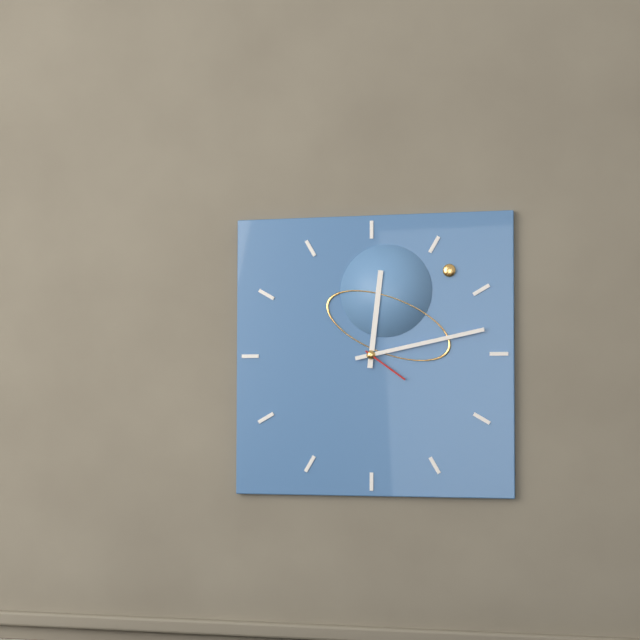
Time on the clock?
12:13:21
